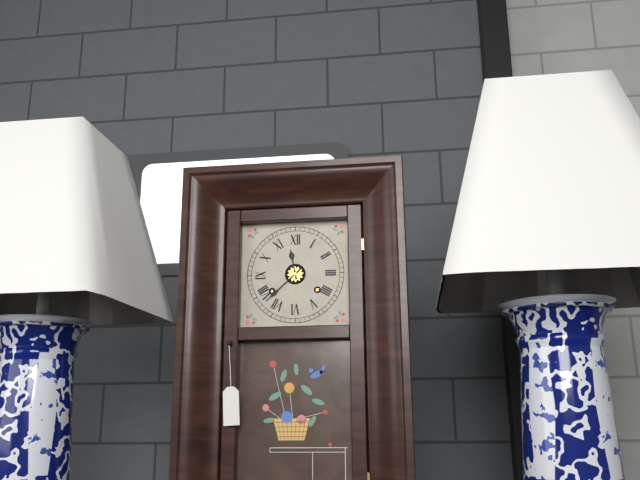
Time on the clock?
11:38
